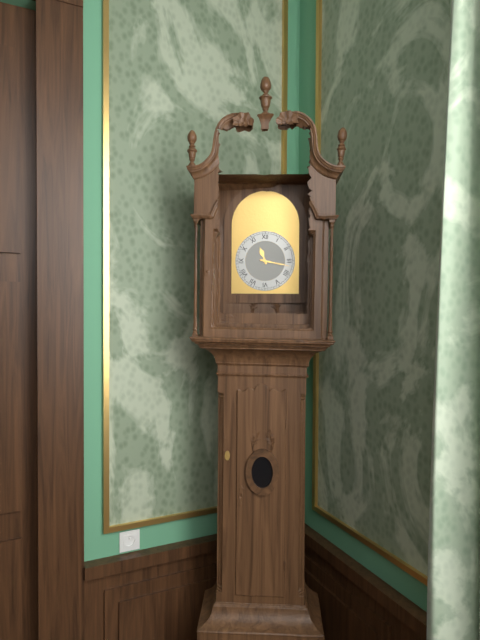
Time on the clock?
11:17
